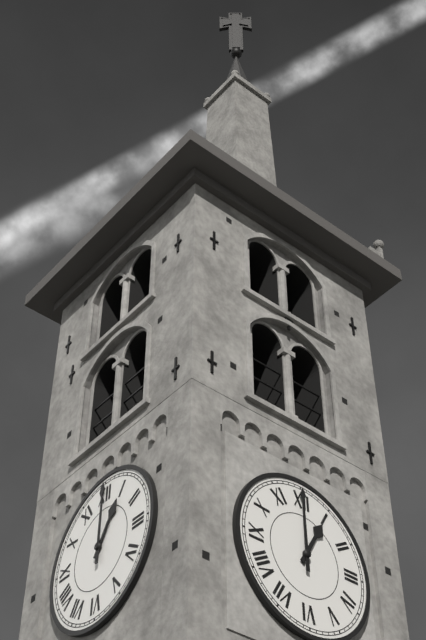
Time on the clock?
1:00
